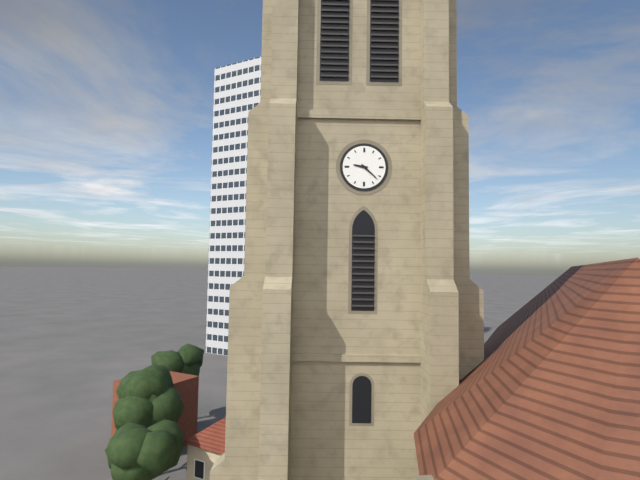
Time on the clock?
9:22
